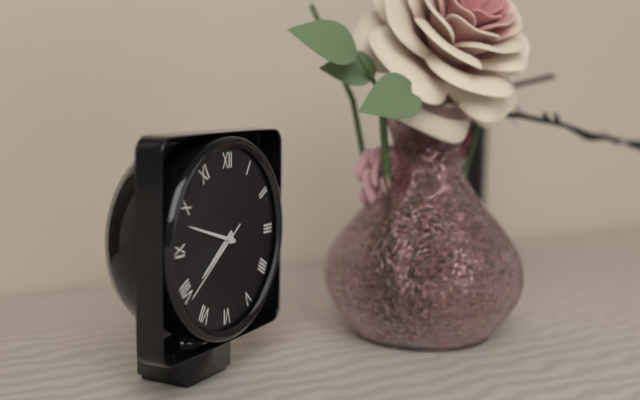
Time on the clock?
7:48:39
